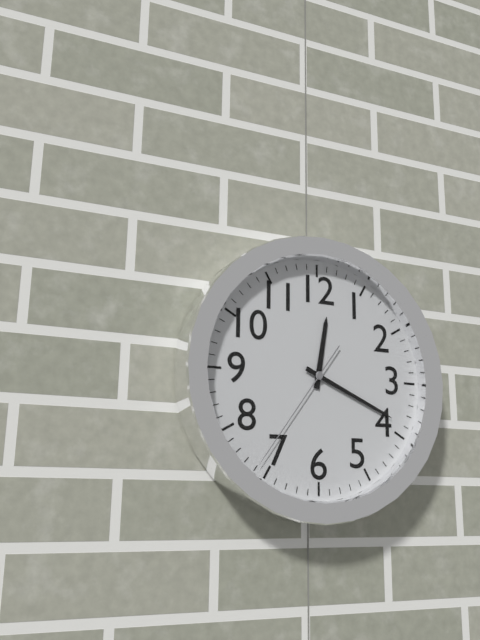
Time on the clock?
12:19:36
